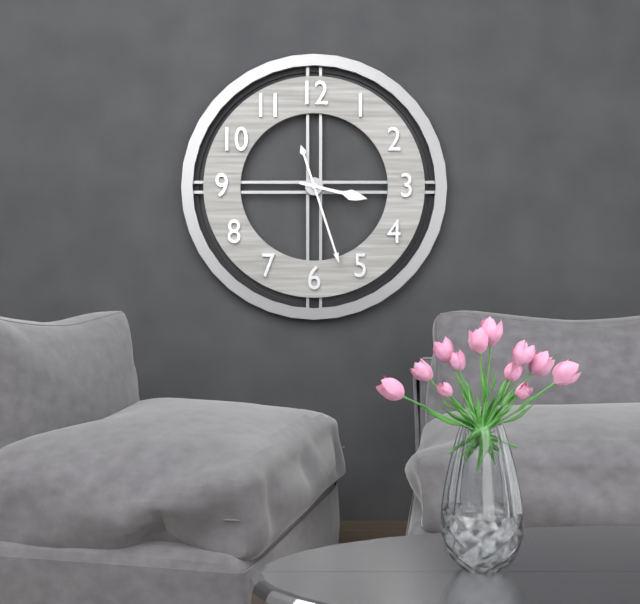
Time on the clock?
3:27
